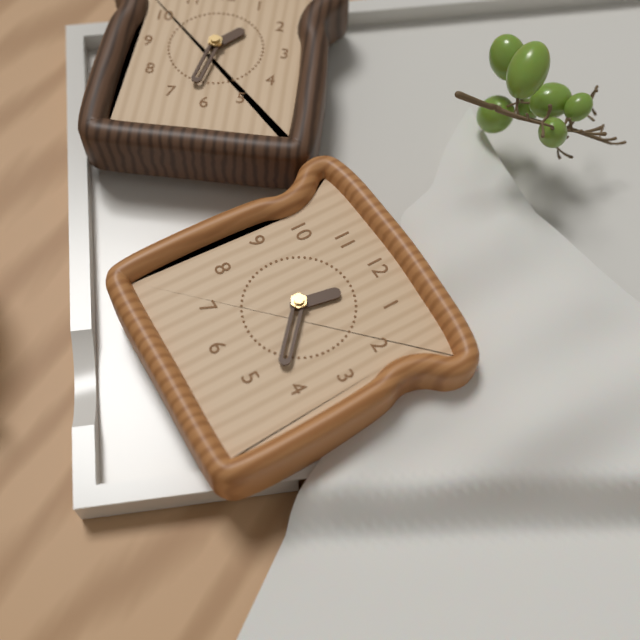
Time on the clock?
12:22
